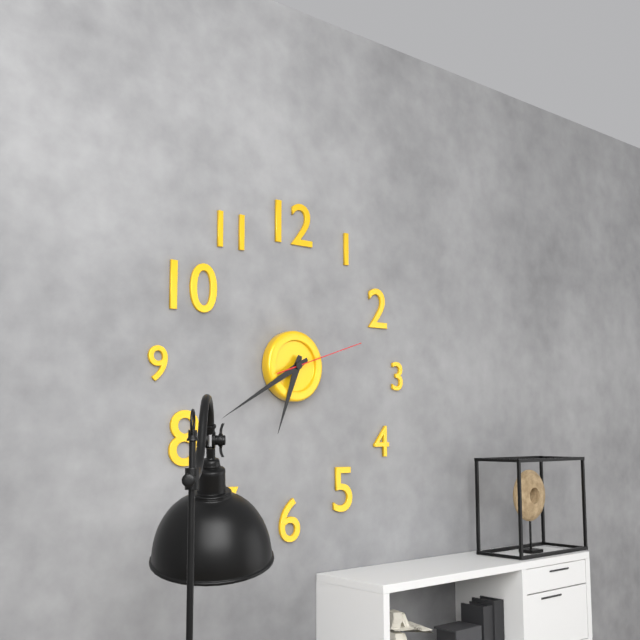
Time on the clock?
6:40:12
